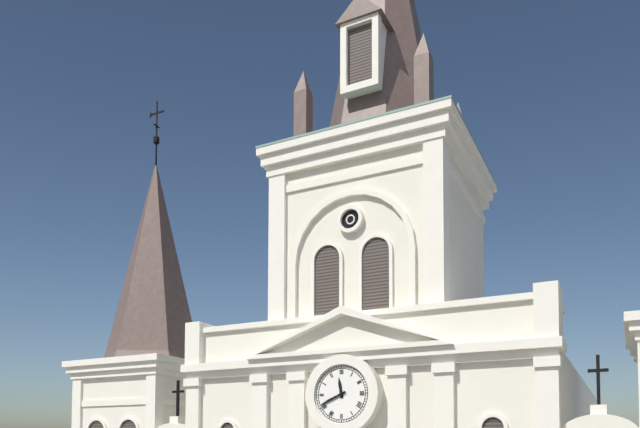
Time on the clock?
11:41
